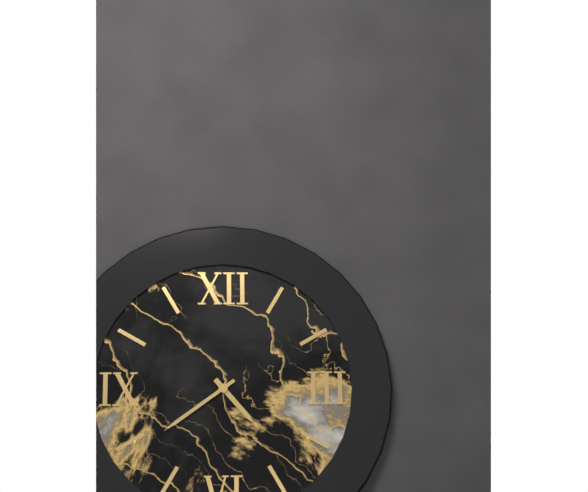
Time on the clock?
4:39
